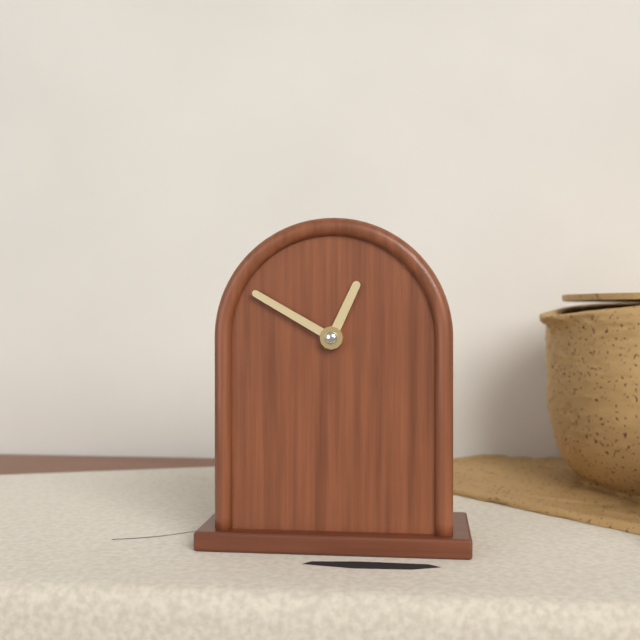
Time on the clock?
12:50
